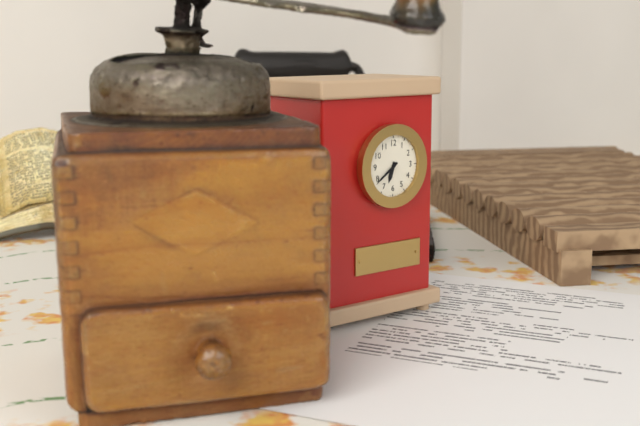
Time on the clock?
6:39
